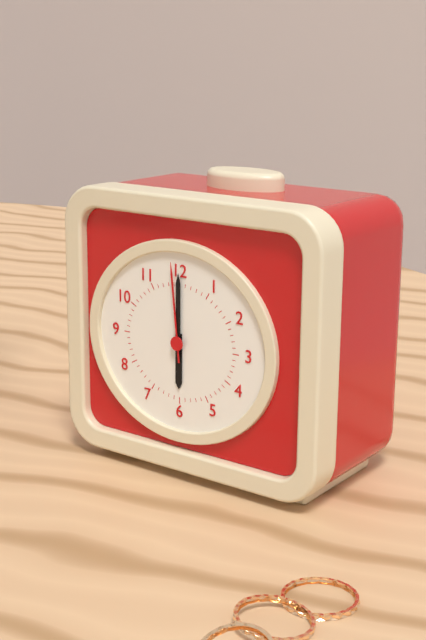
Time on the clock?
6:00:59
